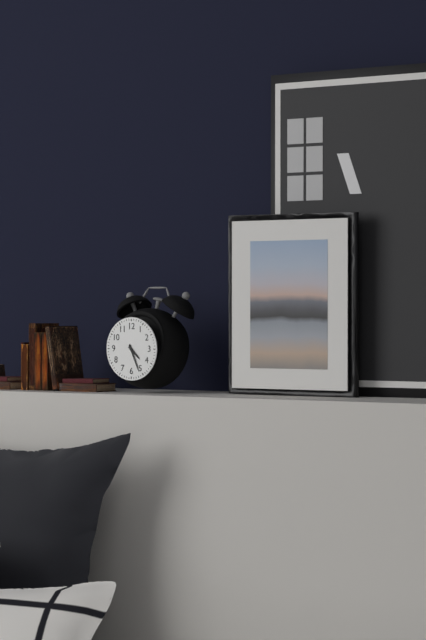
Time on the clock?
4:26
